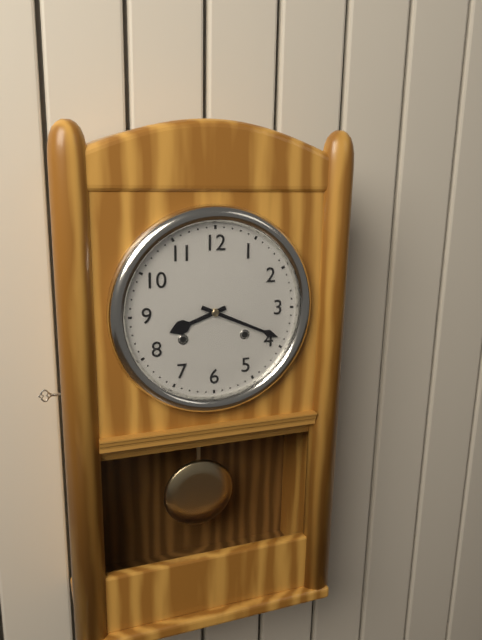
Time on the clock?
8:19
